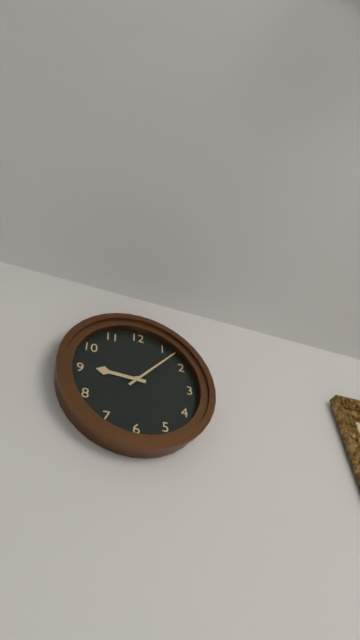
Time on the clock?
9:07
